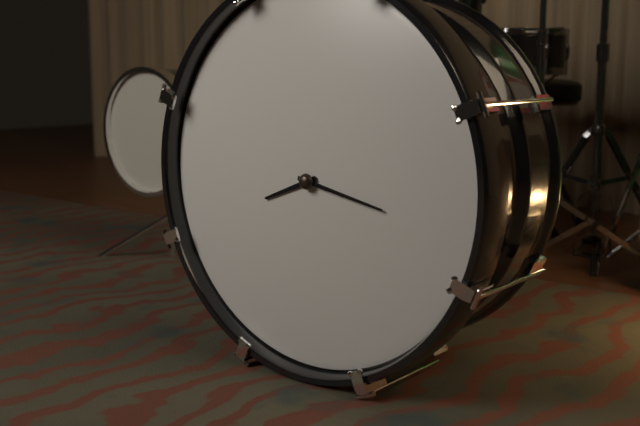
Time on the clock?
8:17
